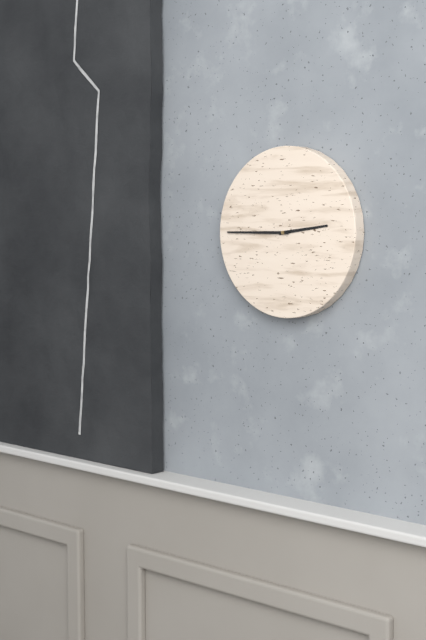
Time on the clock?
2:45
